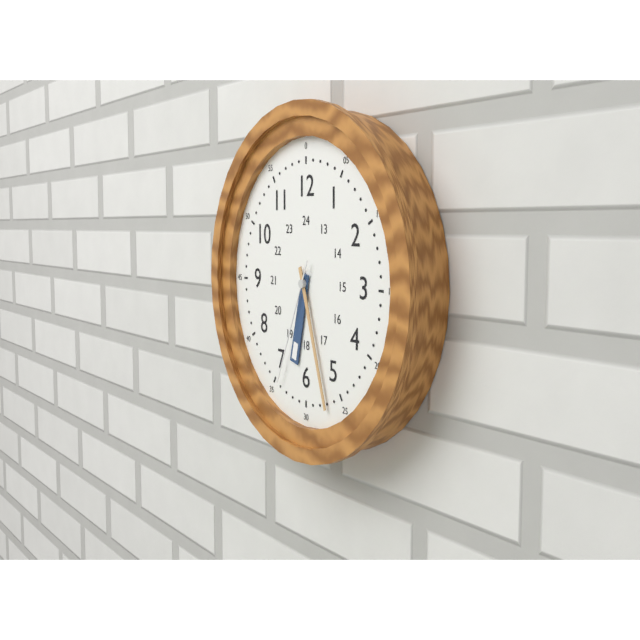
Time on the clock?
6:27:34
